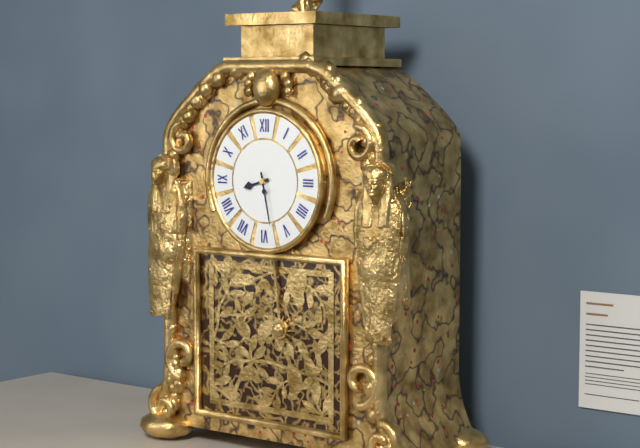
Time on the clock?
8:28
